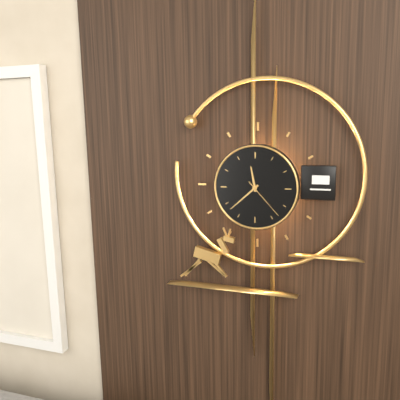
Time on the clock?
11:38
